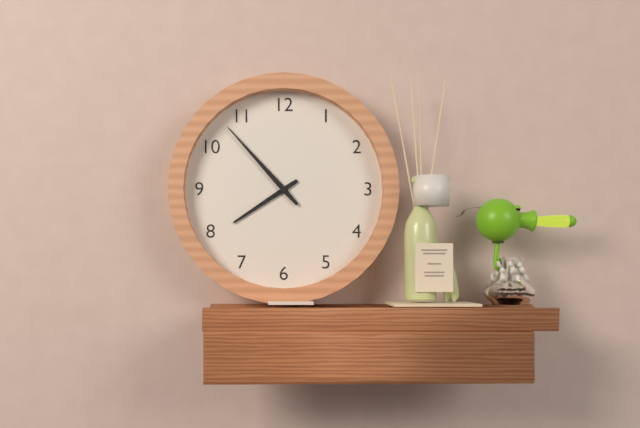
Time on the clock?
7:53
